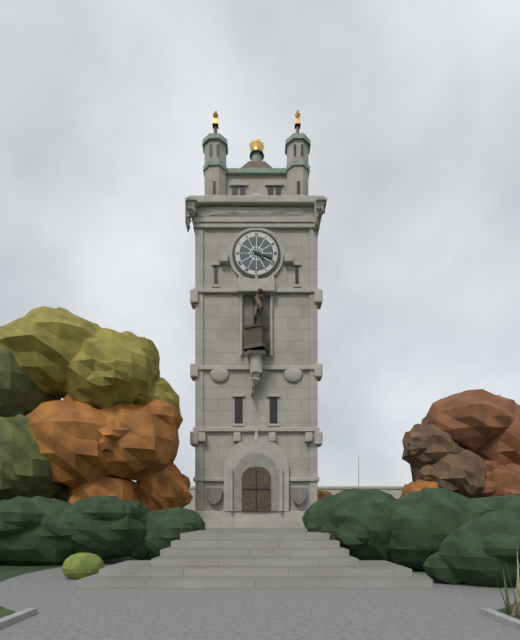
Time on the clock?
4:18
